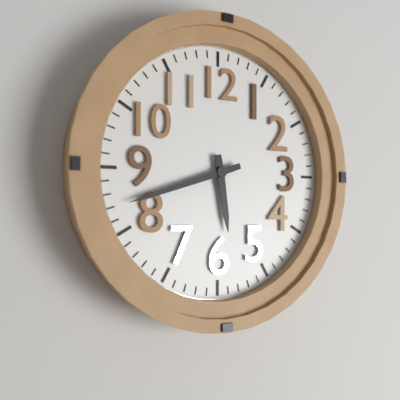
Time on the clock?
5:42
